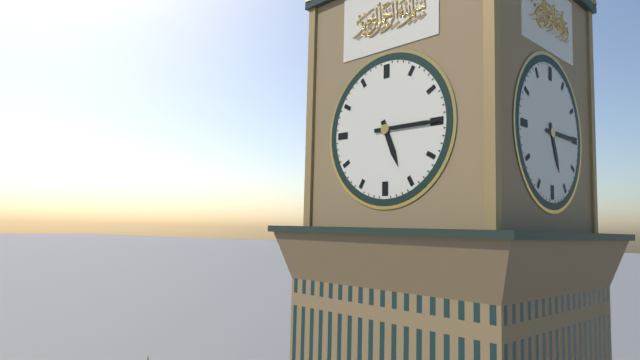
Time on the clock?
5:15
